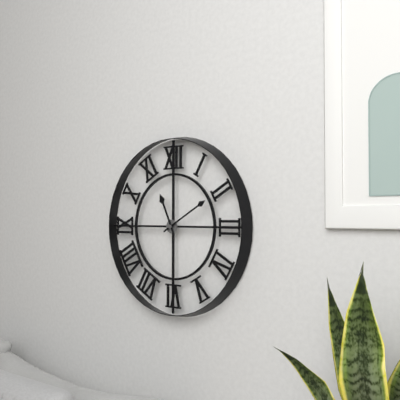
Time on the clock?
11:10
